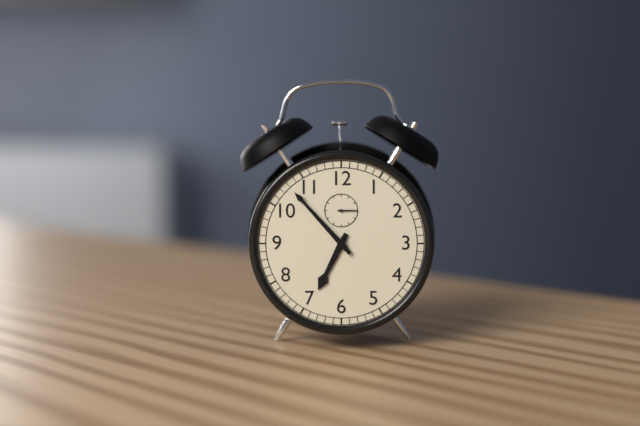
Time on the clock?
6:53
